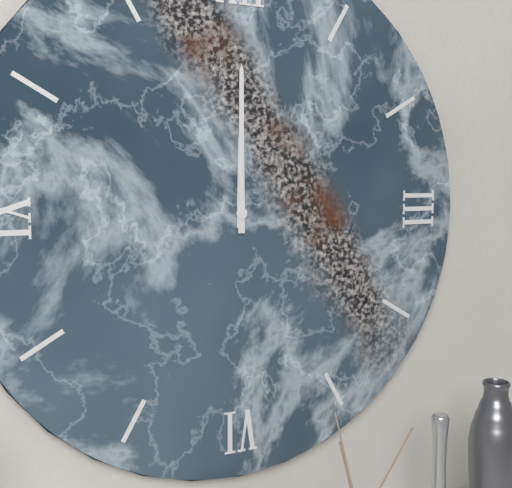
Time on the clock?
12:00
